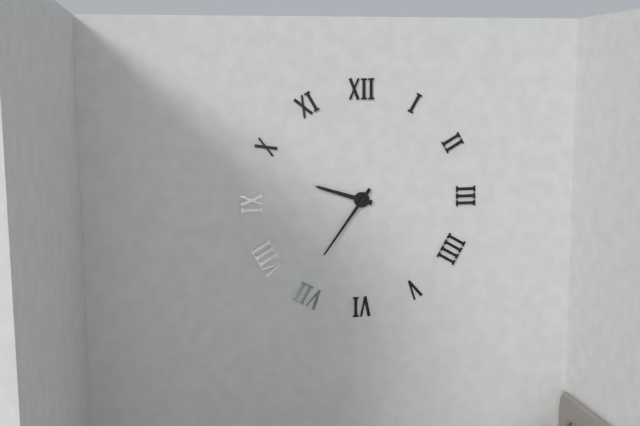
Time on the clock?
9:36
